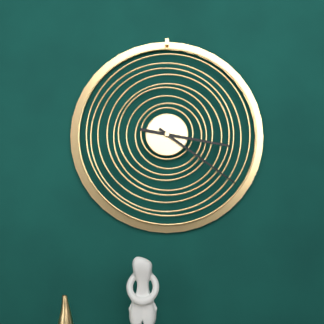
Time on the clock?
3:21
